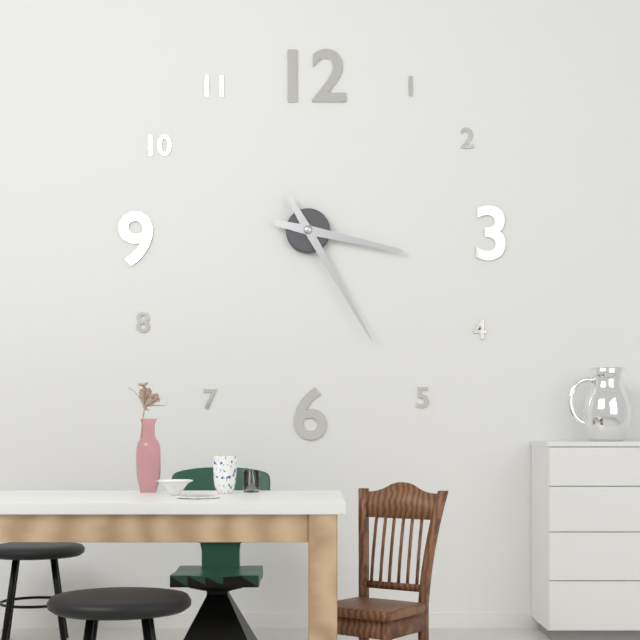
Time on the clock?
3:25
